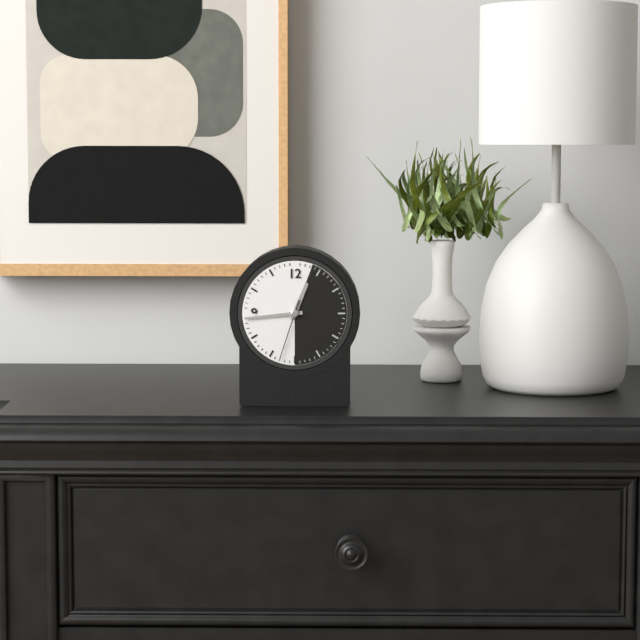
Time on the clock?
12:44:33
